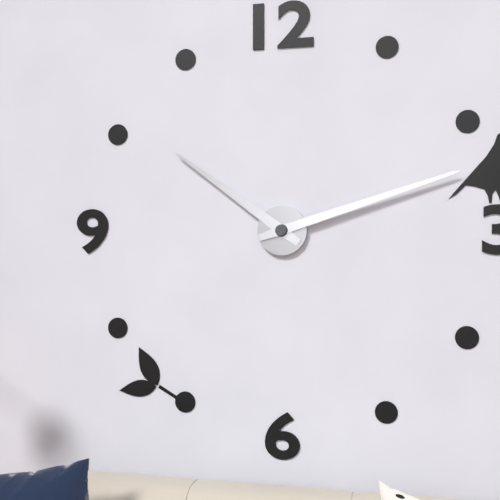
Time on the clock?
10:12
